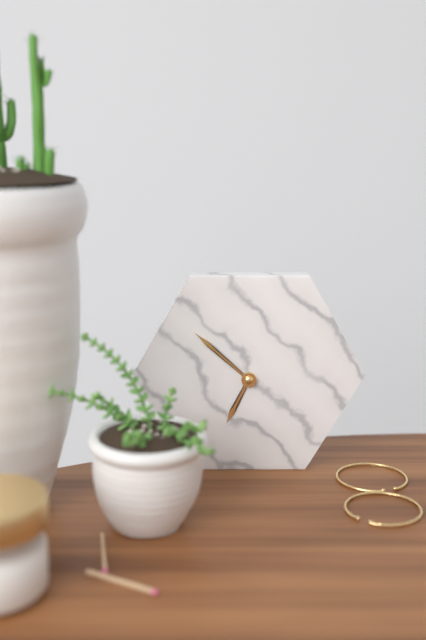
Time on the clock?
6:52
